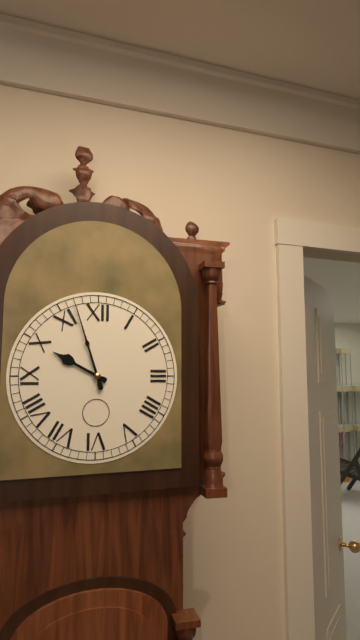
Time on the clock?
9:57
